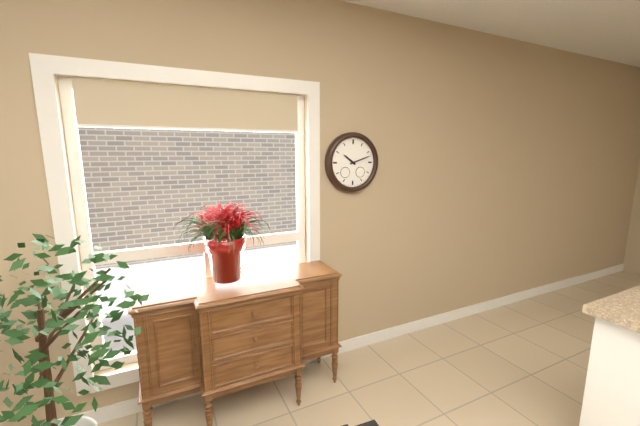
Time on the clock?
10:12
